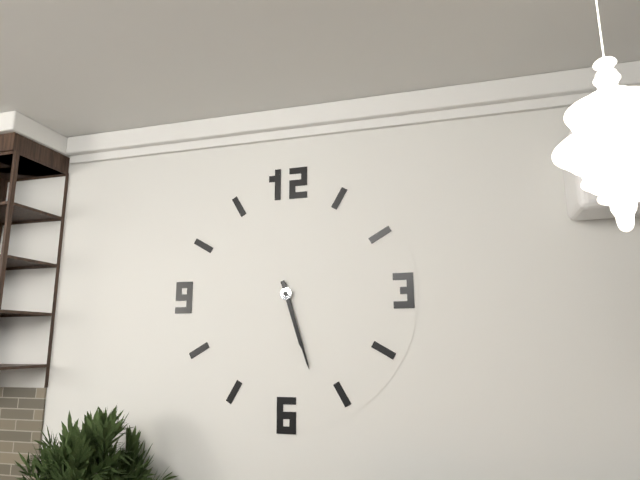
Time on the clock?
5:27
